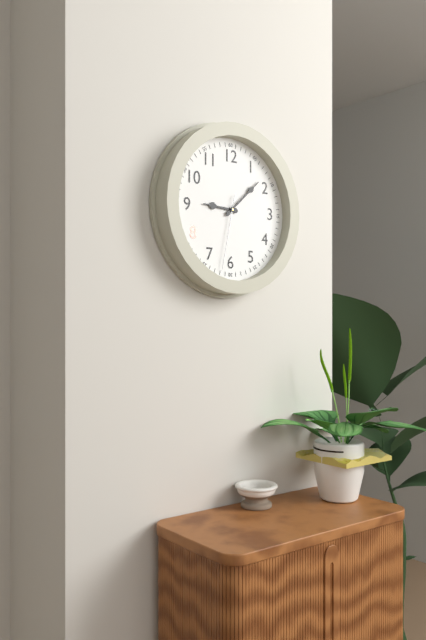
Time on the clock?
9:08:32
